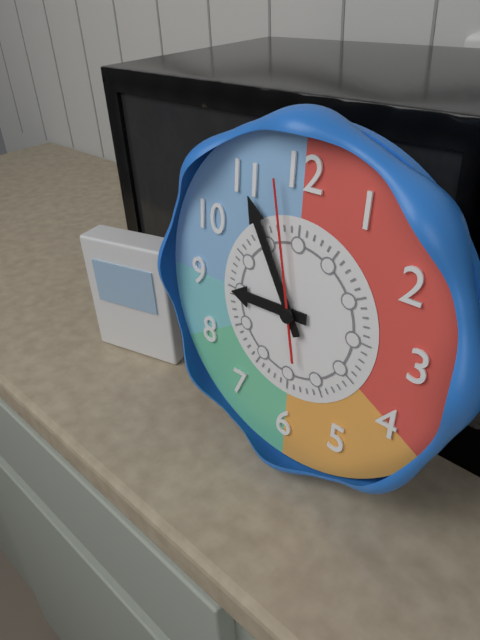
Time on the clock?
8:55:58
